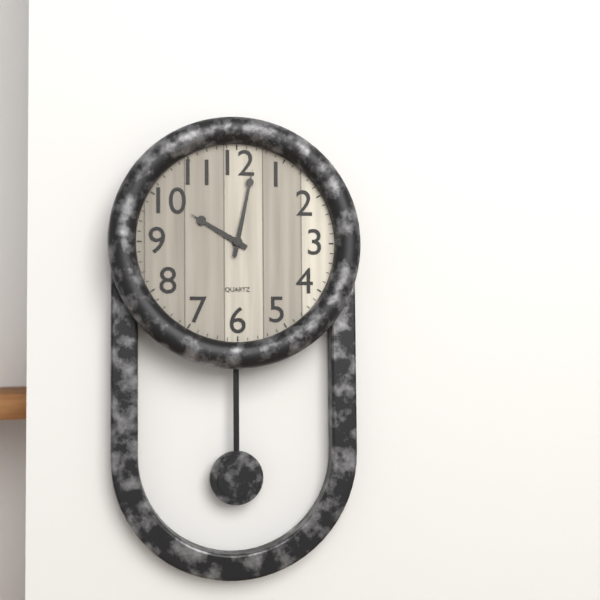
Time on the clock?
10:02
